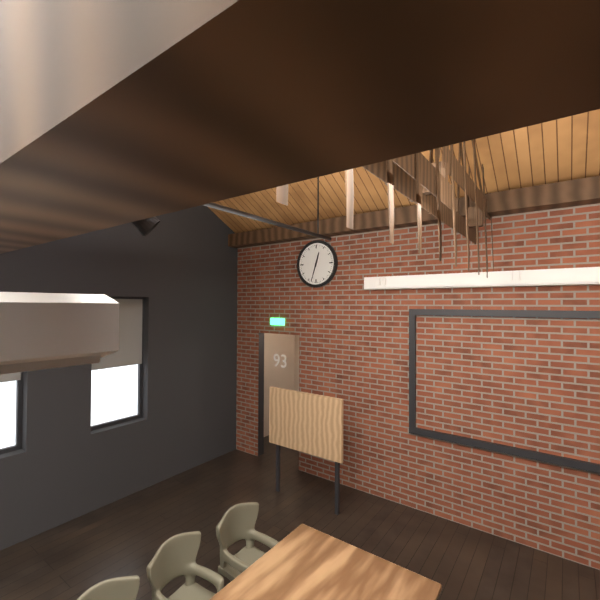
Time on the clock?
12:33
